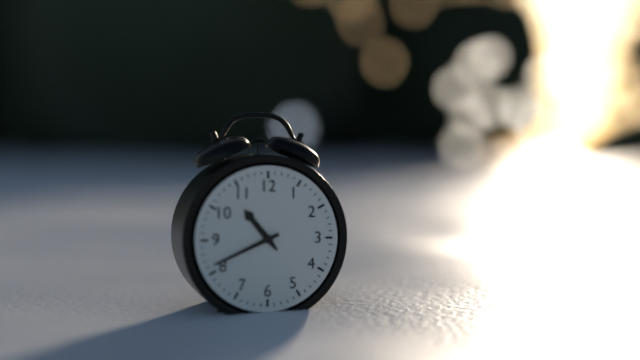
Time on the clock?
10:41
